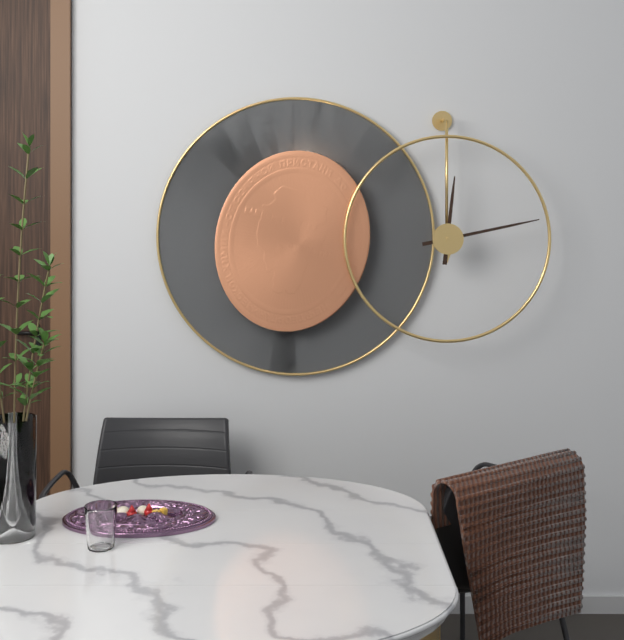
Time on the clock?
12:13
